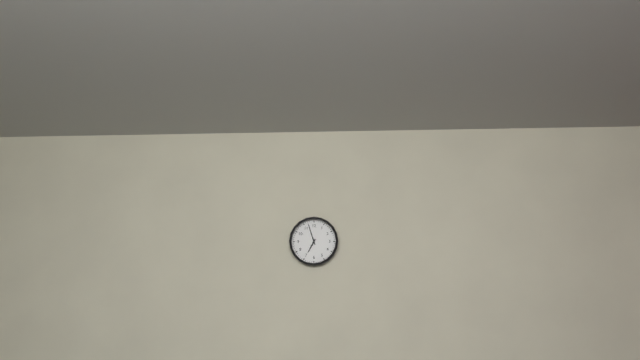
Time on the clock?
6:57
